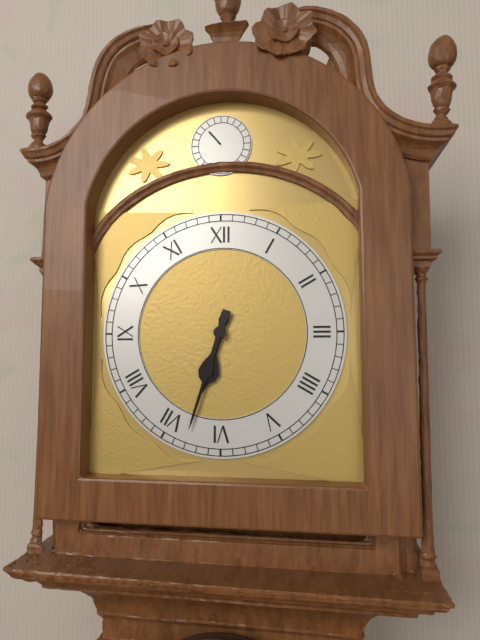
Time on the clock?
6:33
